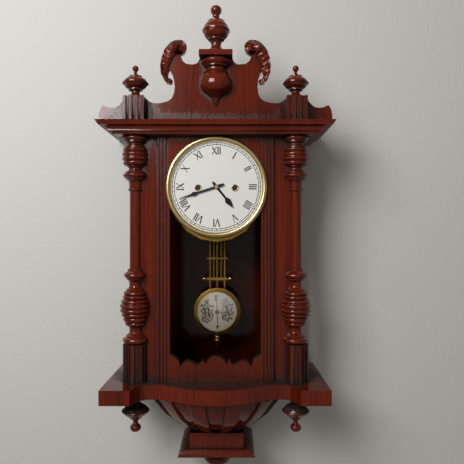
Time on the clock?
4:42
